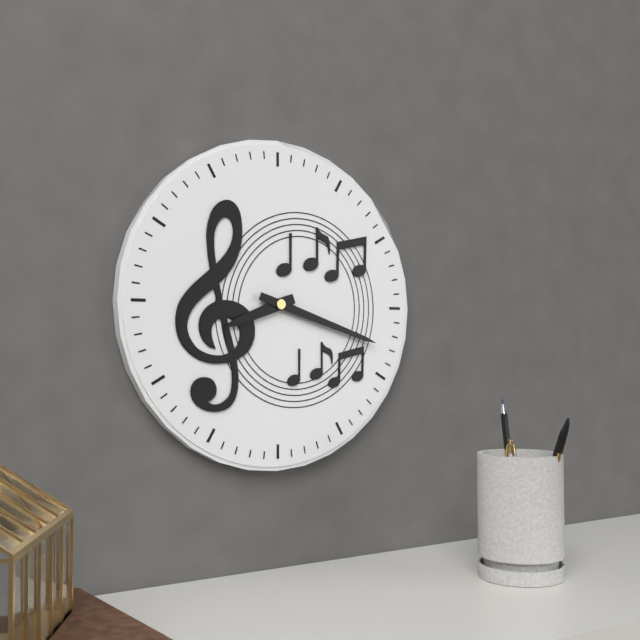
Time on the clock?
8:18
